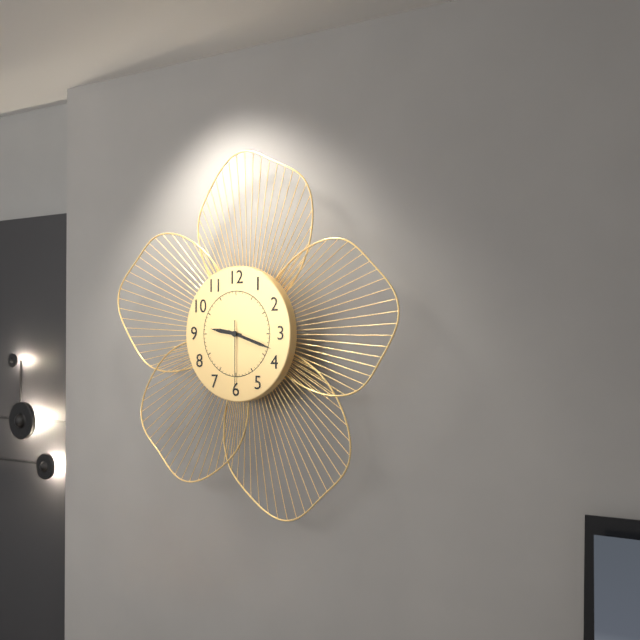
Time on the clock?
9:18:30
